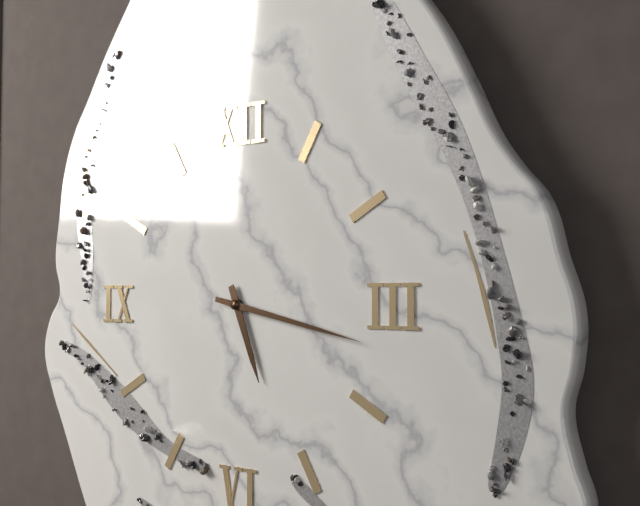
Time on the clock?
5:17
